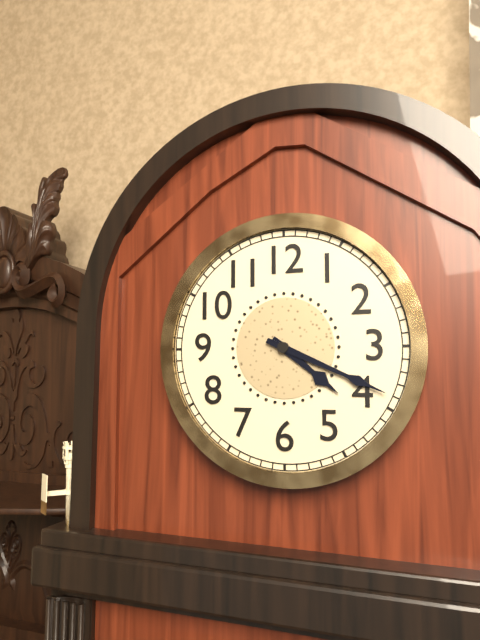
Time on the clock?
4:19
